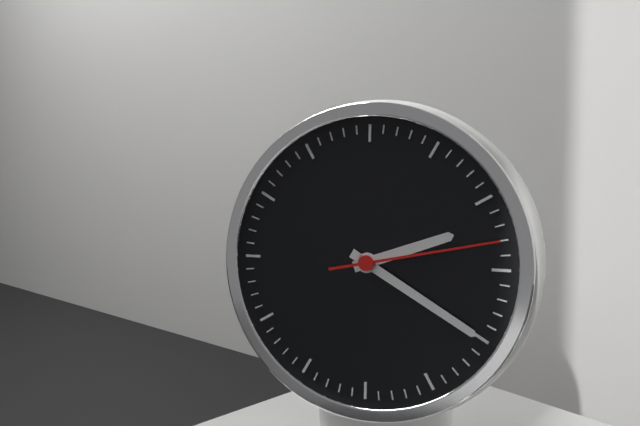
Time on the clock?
2:20:13
